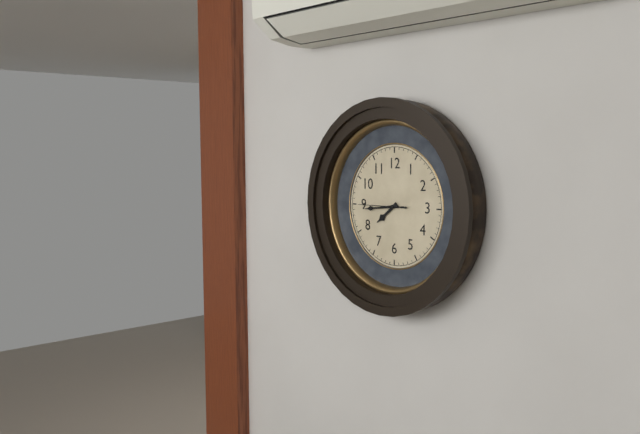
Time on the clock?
7:44
